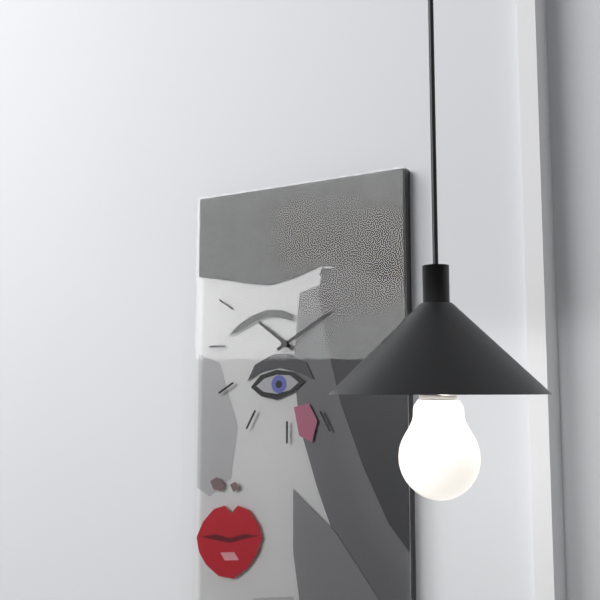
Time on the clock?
10:10
